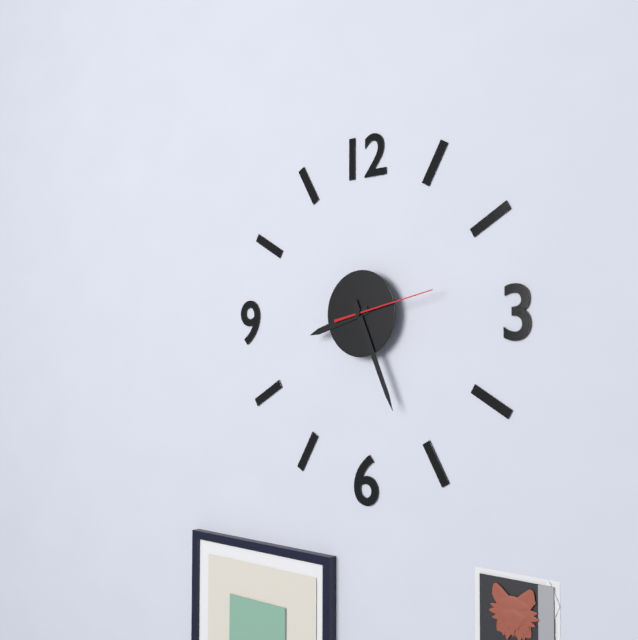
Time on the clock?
8:26:13
